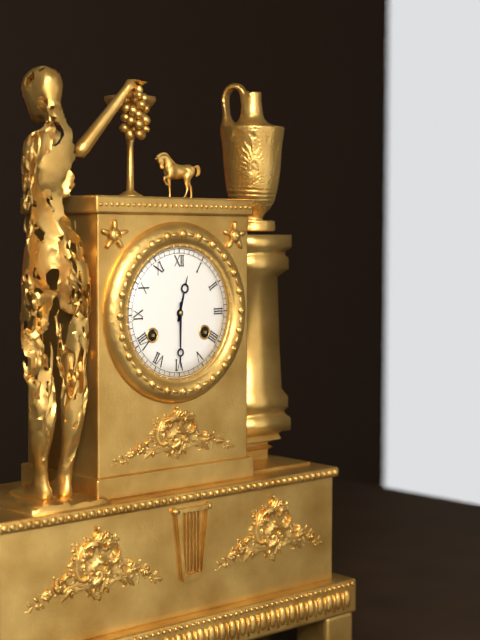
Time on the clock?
12:30
